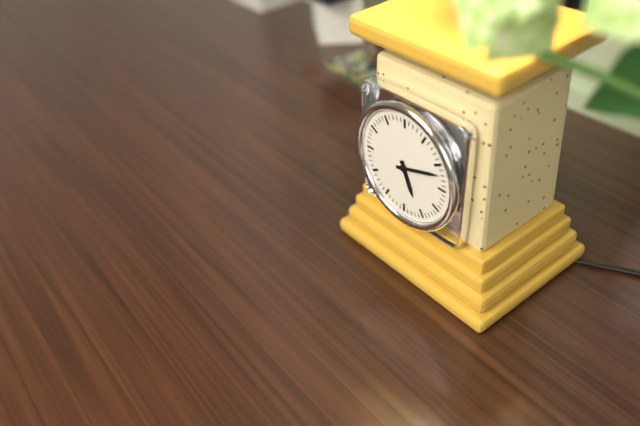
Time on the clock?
5:12
